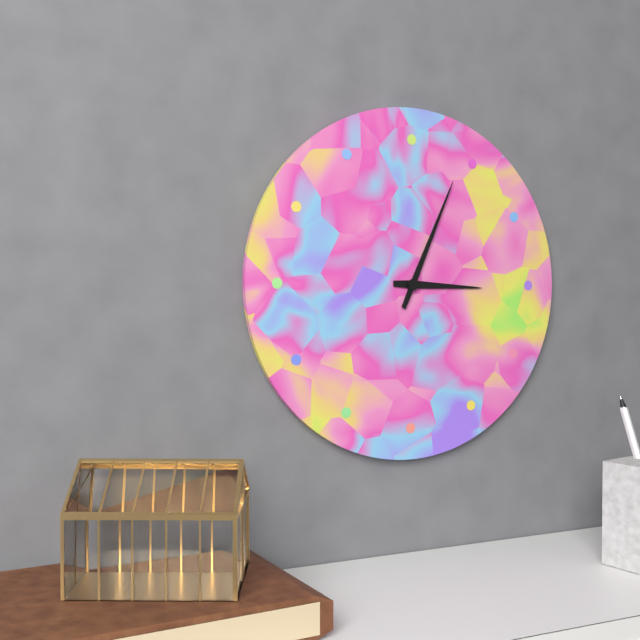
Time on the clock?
3:04
